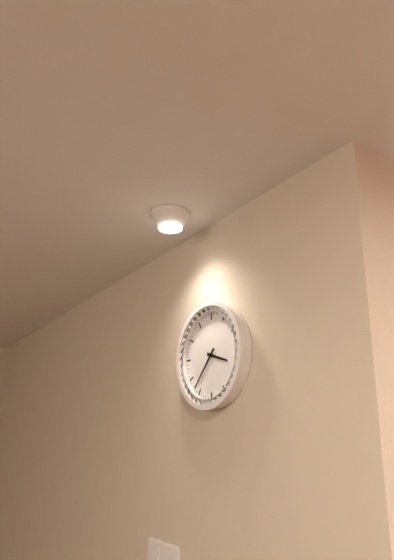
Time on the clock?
3:37
